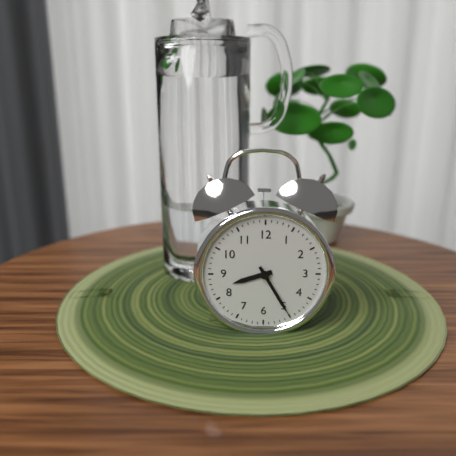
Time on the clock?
8:25
